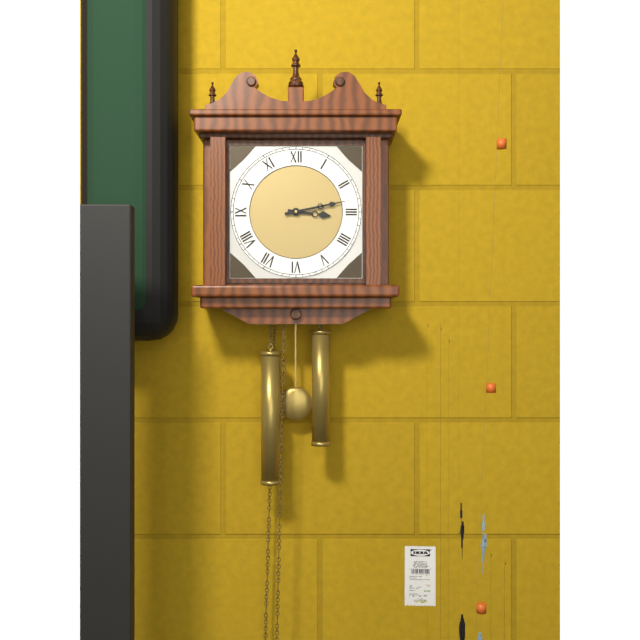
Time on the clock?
3:13
